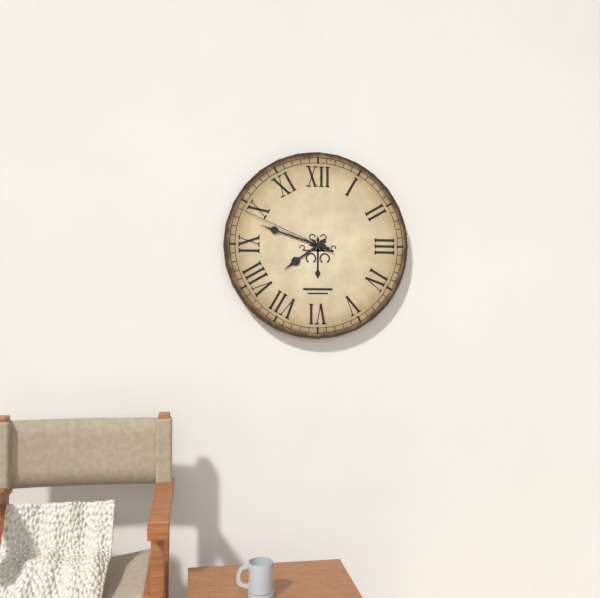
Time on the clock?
7:48:49
